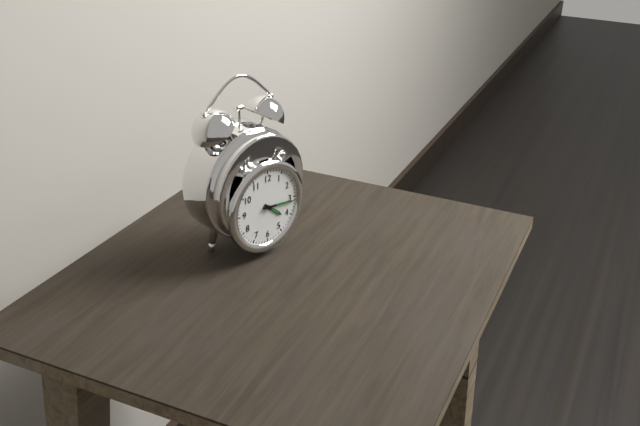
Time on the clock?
4:16
